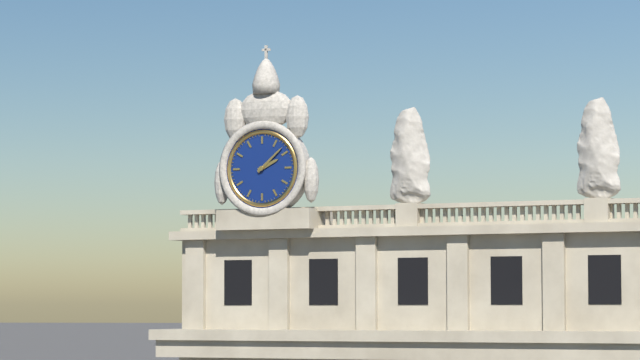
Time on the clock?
2:08
